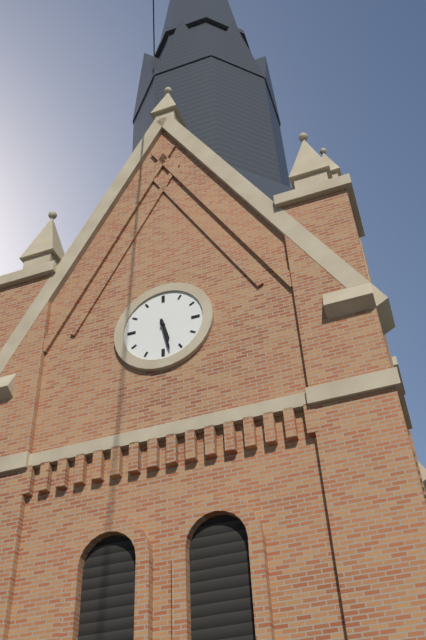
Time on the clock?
5:28
